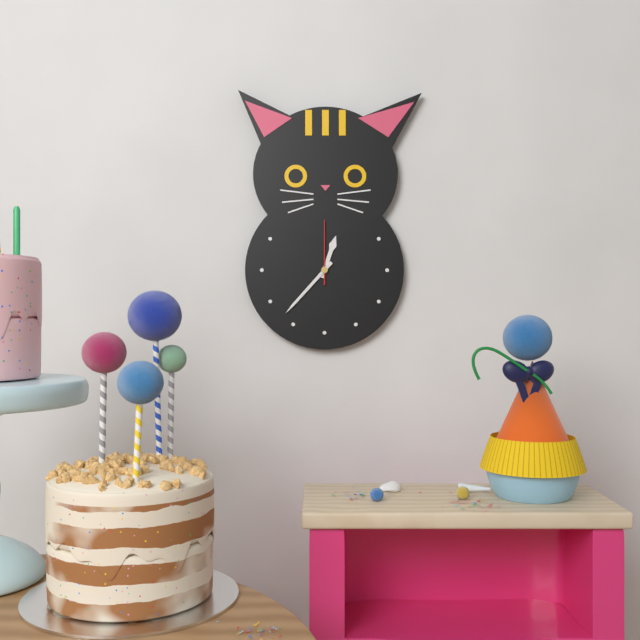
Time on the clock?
12:37:00
